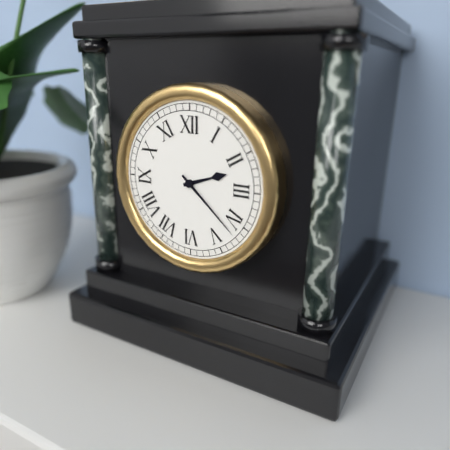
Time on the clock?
2:22
